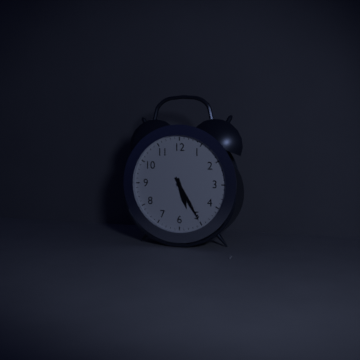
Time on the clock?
5:25
